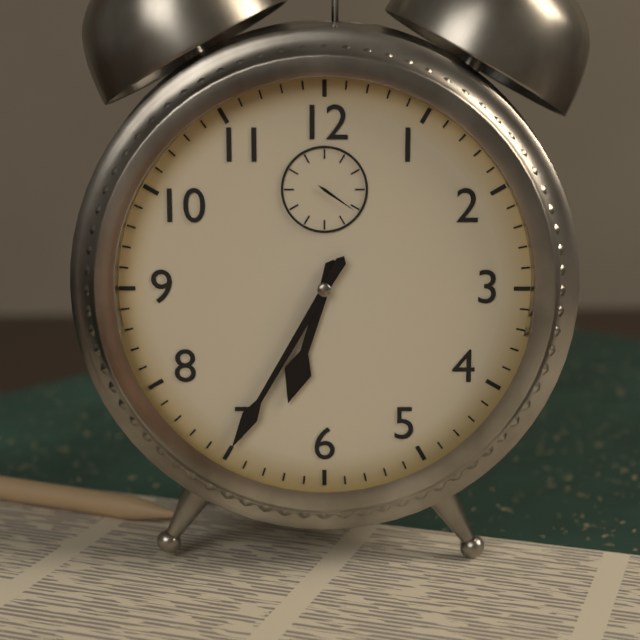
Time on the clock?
6:35
